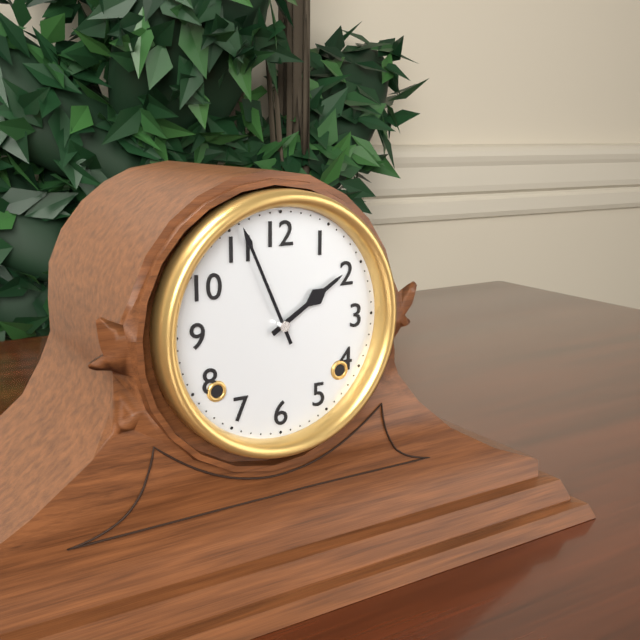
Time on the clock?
1:56
